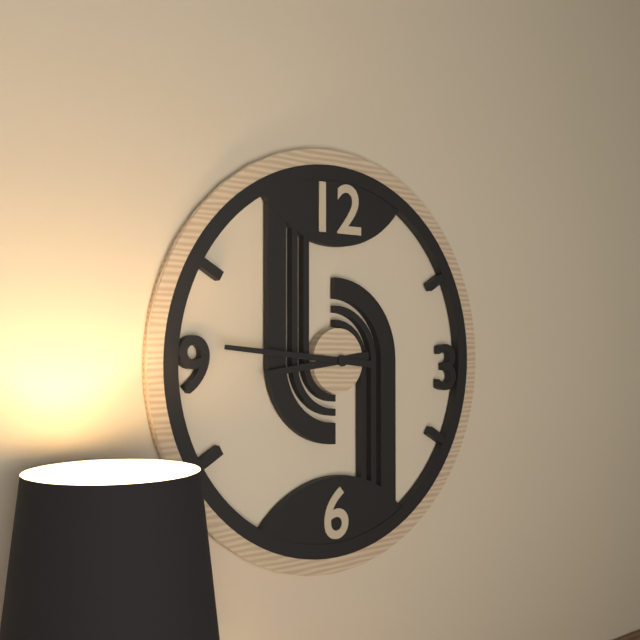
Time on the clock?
8:46
